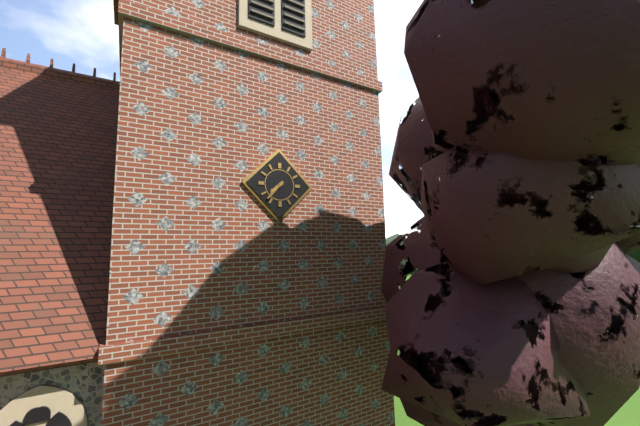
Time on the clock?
7:37
